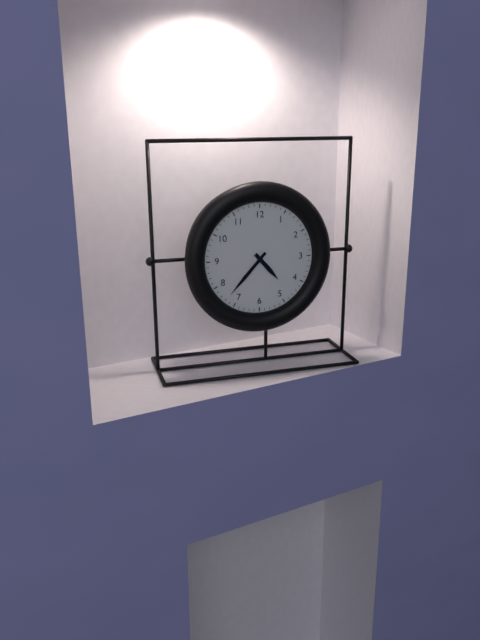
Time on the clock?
4:37
